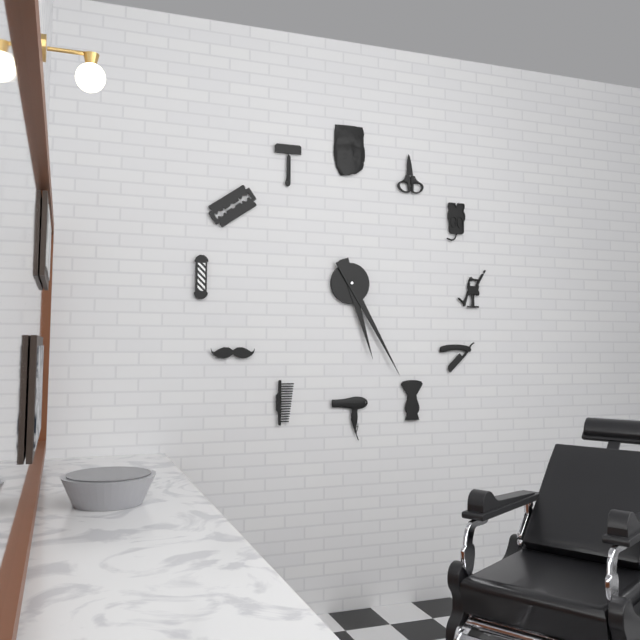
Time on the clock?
5:25
